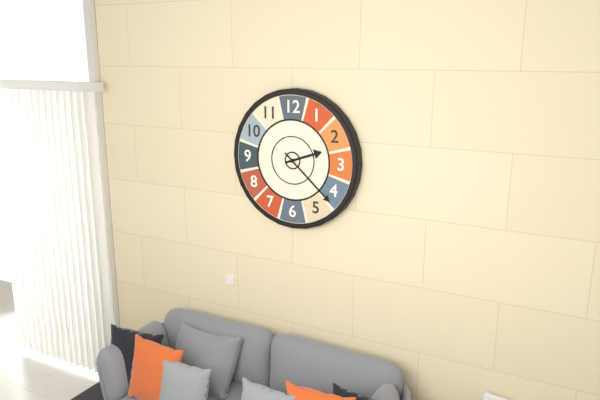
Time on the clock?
2:22
